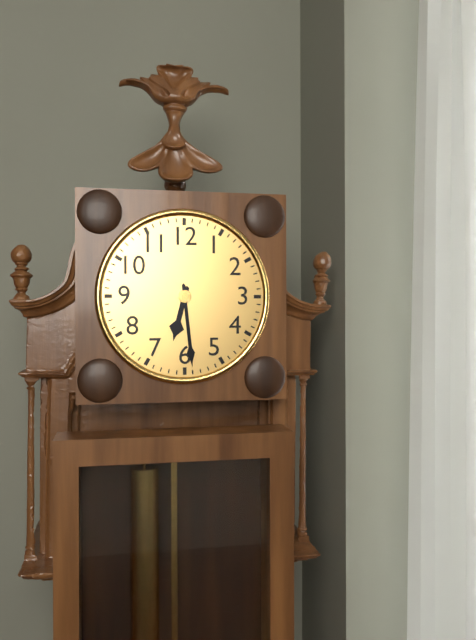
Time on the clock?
6:29
